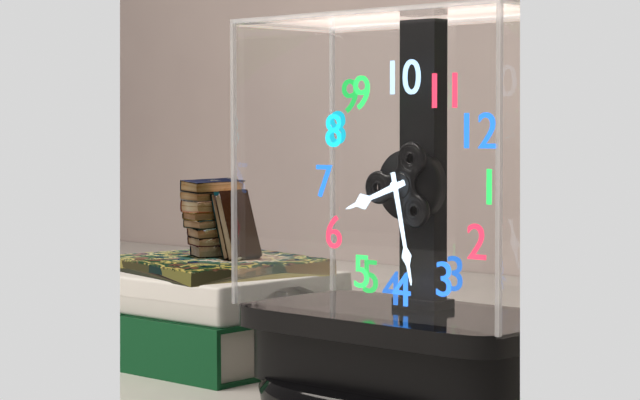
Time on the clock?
6:18
